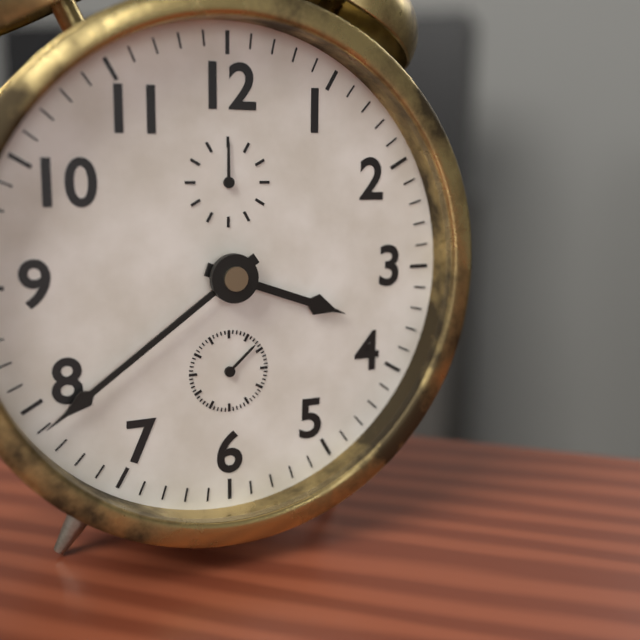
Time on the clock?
3:39
